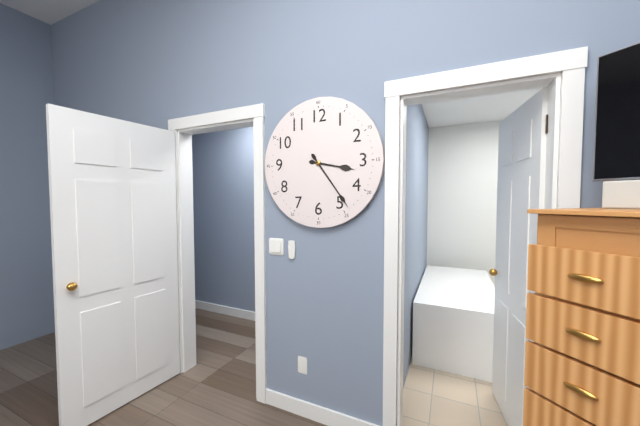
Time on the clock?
3:24
